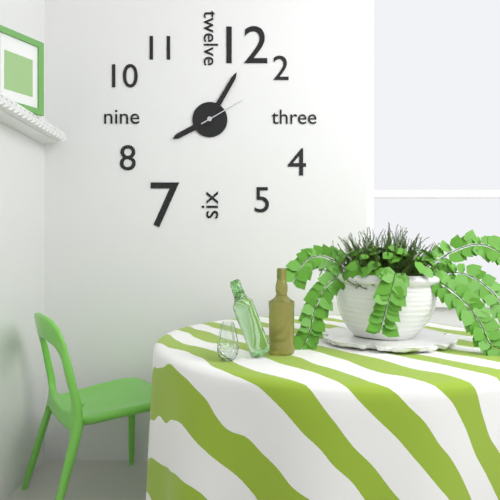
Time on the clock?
8:05
